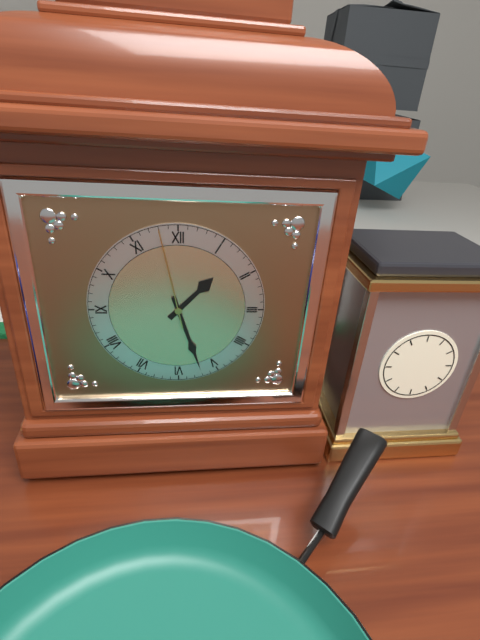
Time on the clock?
1:27:58
